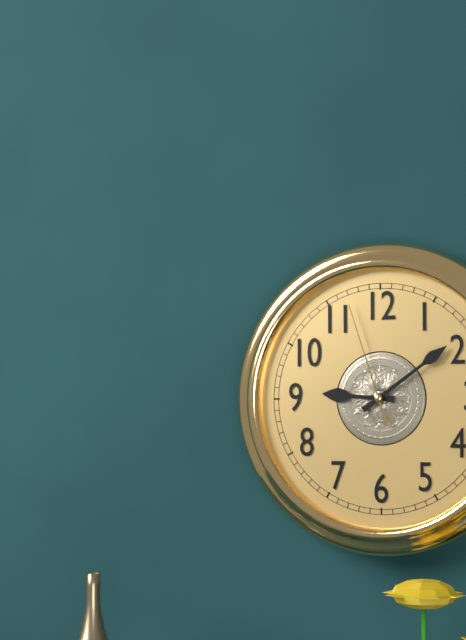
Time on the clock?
9:09:57
